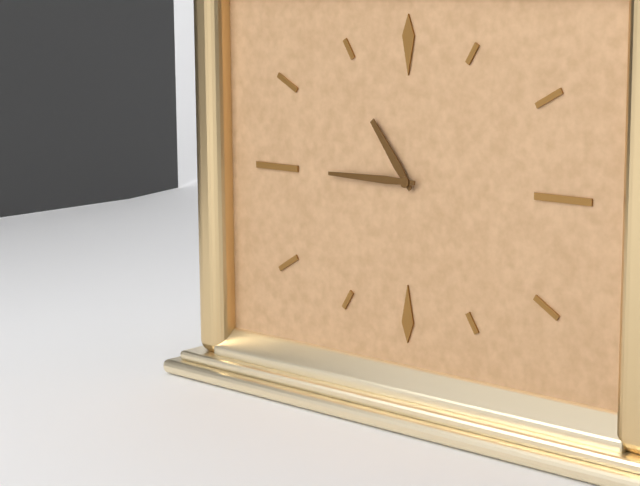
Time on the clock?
10:45
